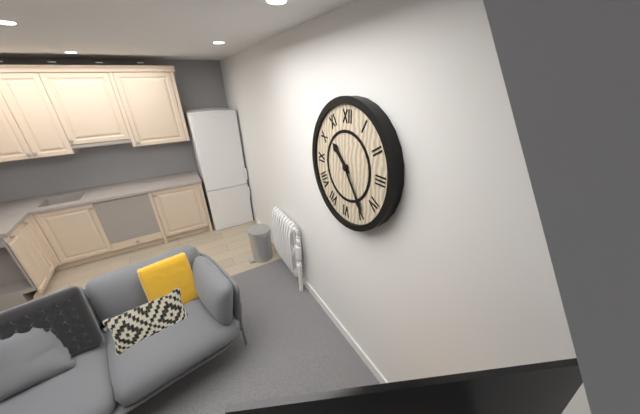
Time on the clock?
10:24
